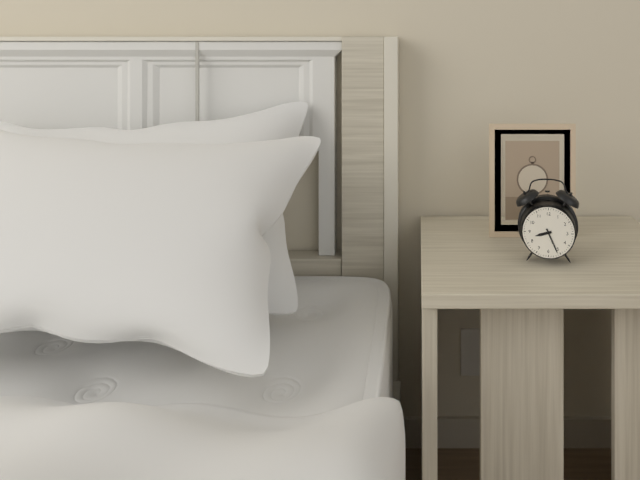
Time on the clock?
8:26
